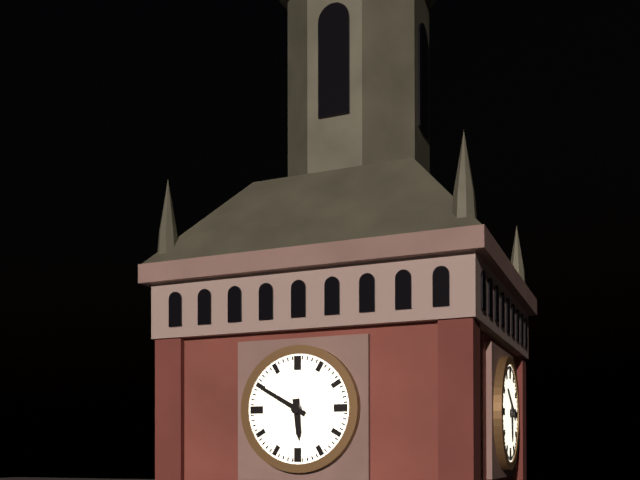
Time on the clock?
5:50
